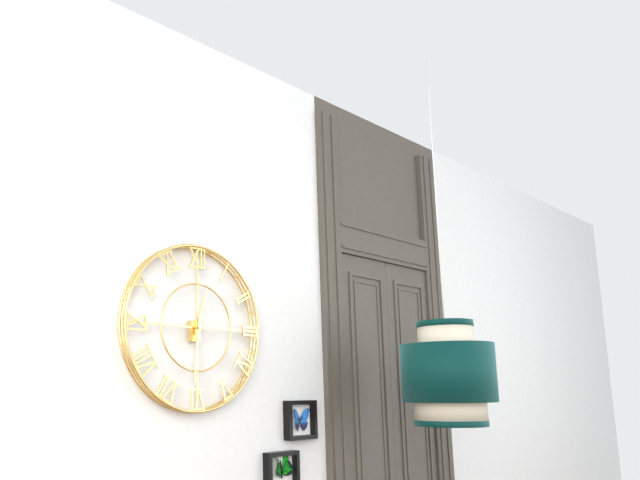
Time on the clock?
12:31
